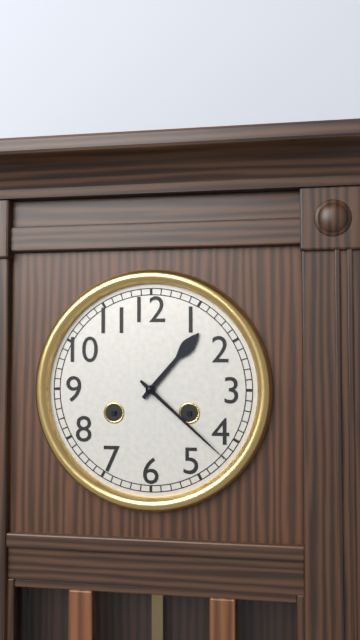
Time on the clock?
1:22
